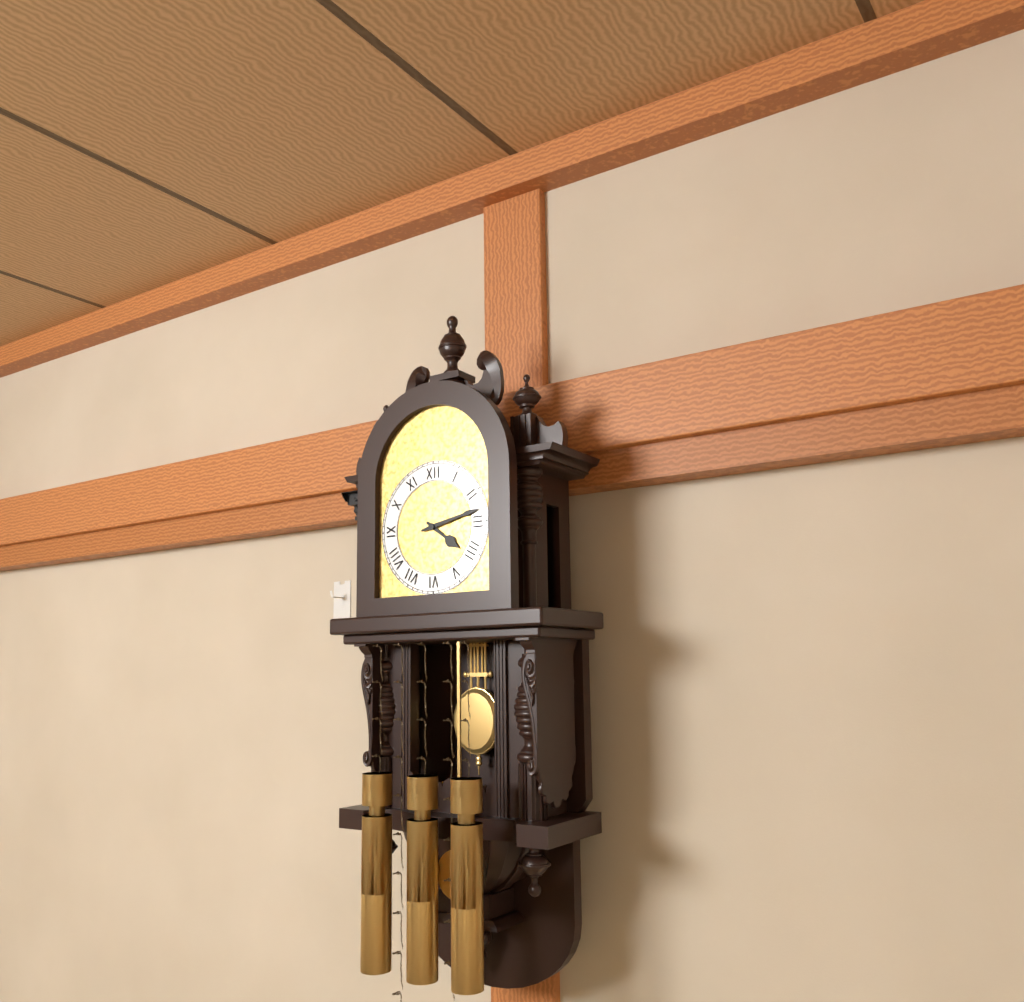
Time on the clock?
4:13
